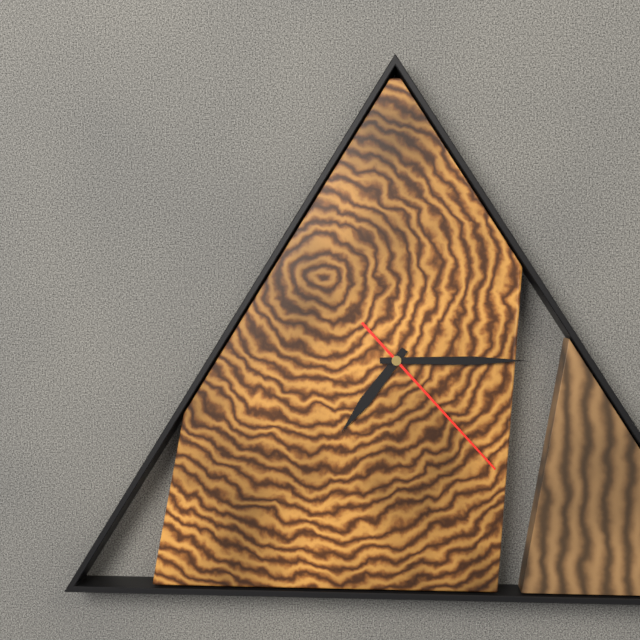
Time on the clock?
7:15:23
